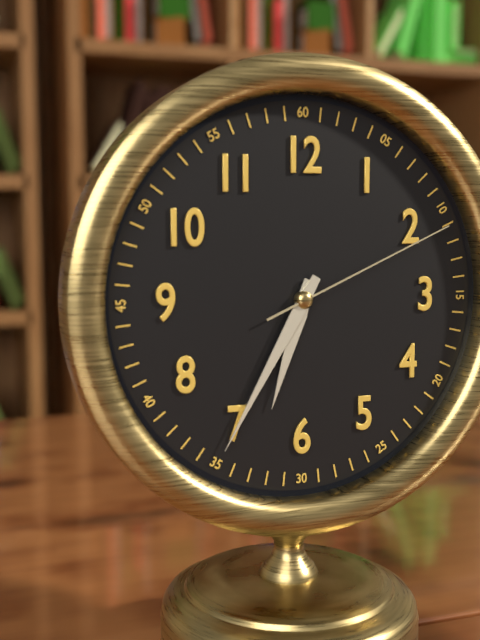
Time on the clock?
6:35:11
